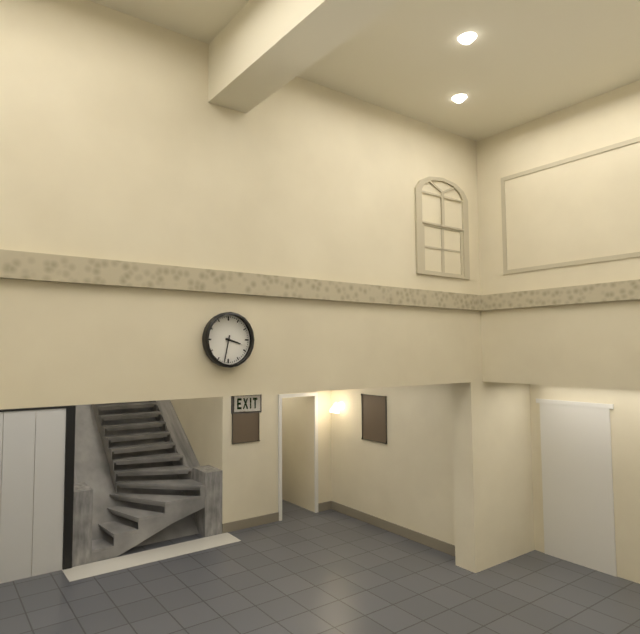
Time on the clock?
3:32
